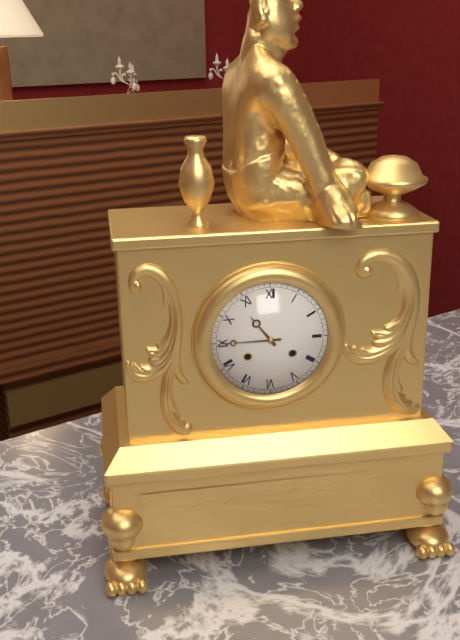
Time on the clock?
10:45
